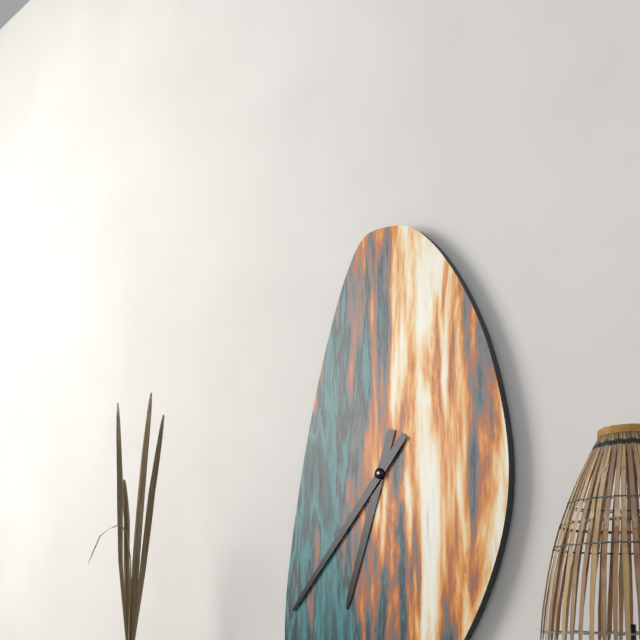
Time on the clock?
6:37
